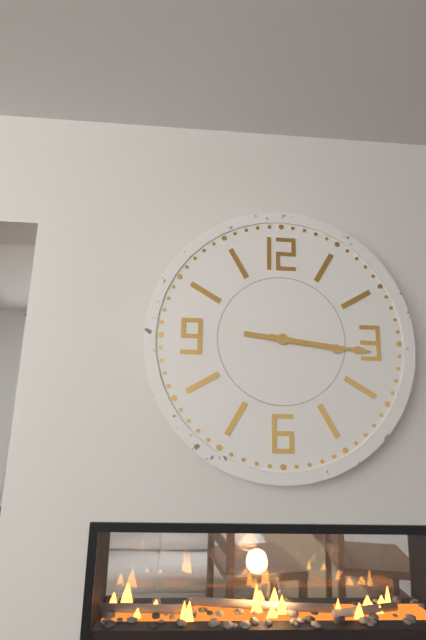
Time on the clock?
3:16
